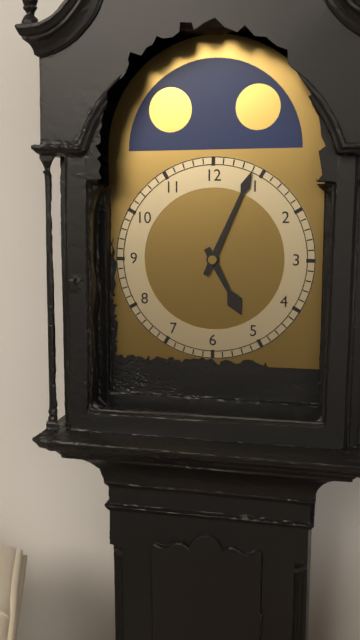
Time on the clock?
5:04
